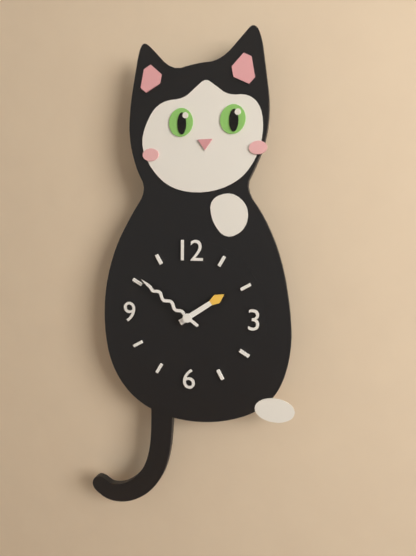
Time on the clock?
1:51
